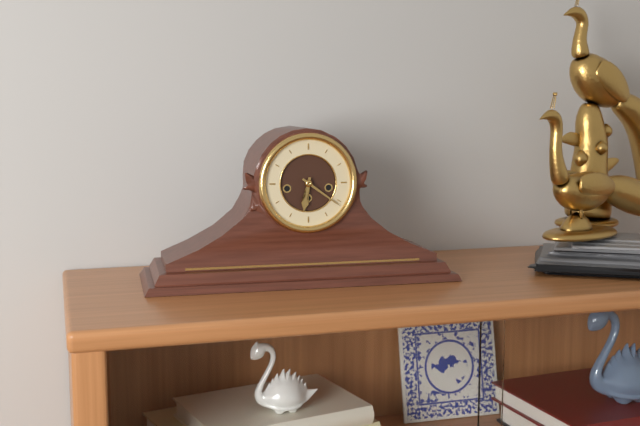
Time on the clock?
6:21
